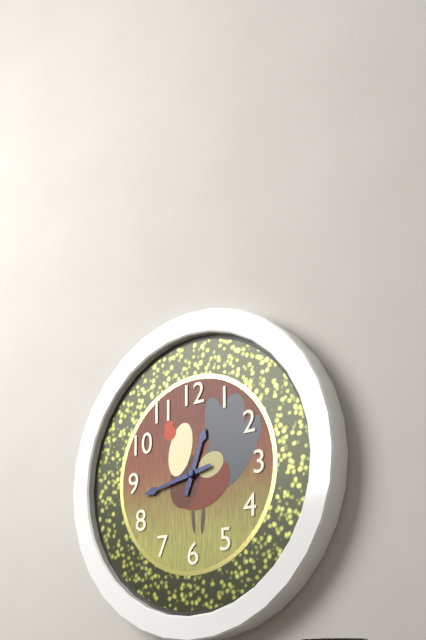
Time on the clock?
12:43
